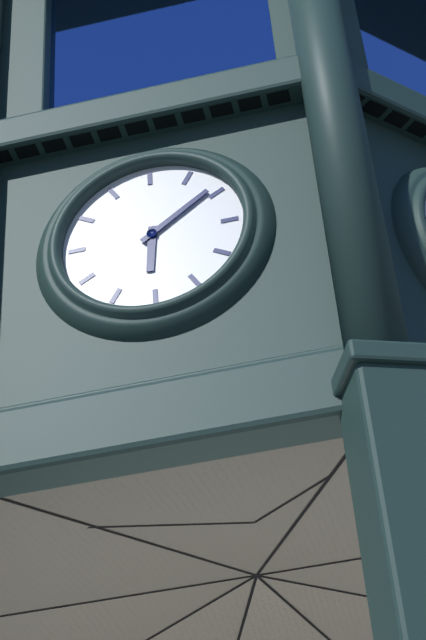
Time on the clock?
6:09
